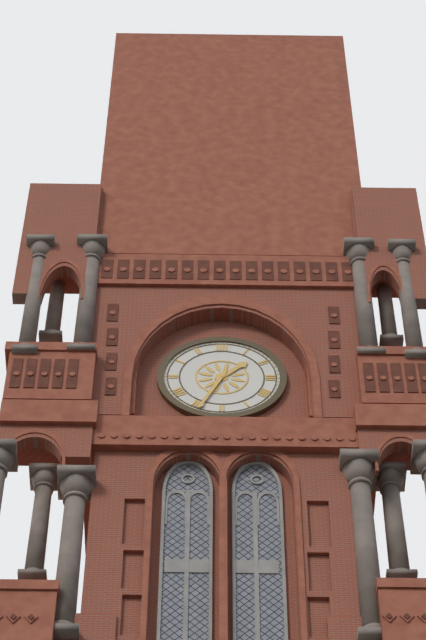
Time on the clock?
1:34
